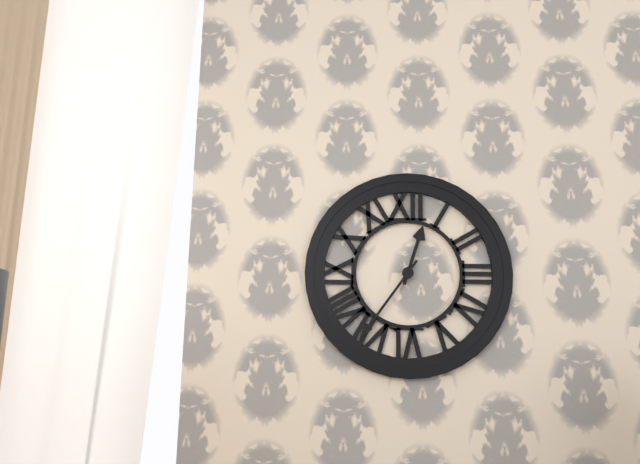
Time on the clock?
12:36
